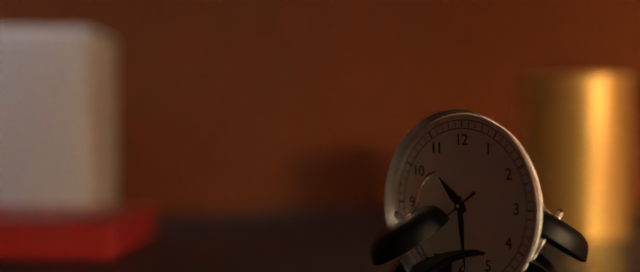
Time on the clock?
10:29
